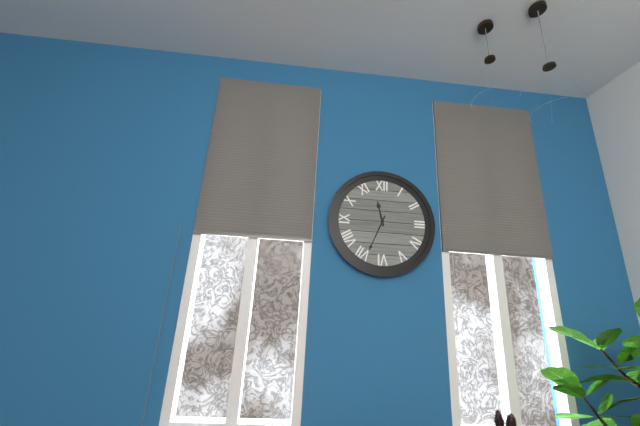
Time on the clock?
11:34
